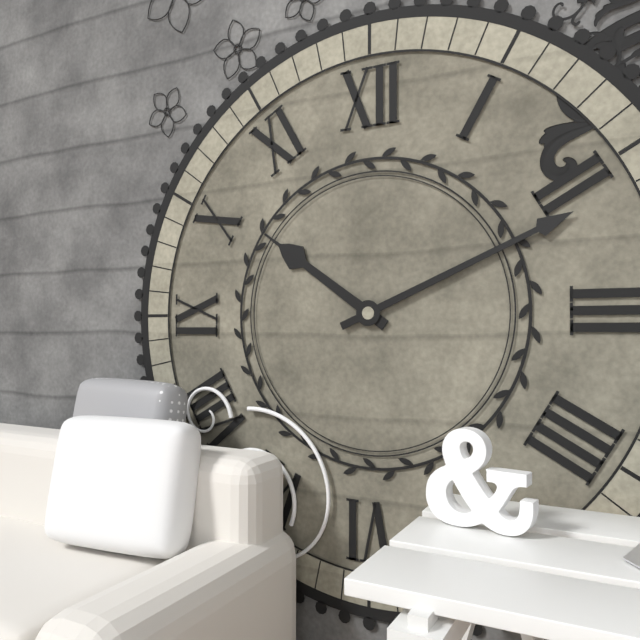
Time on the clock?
10:11
